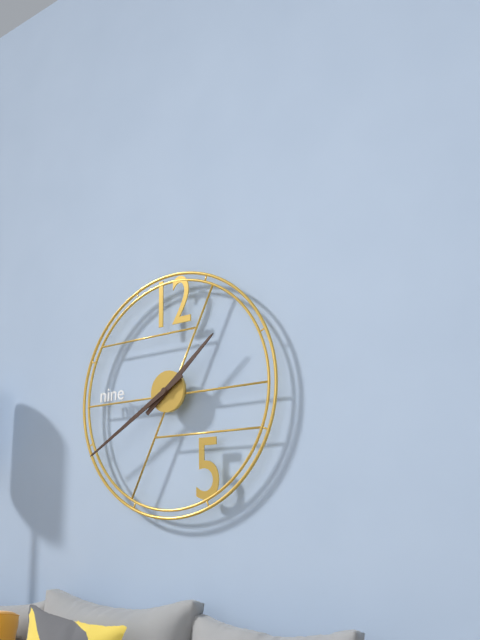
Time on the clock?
1:40
